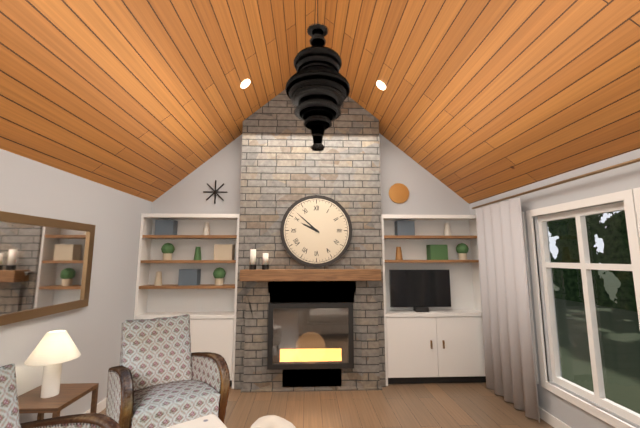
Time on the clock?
9:52
